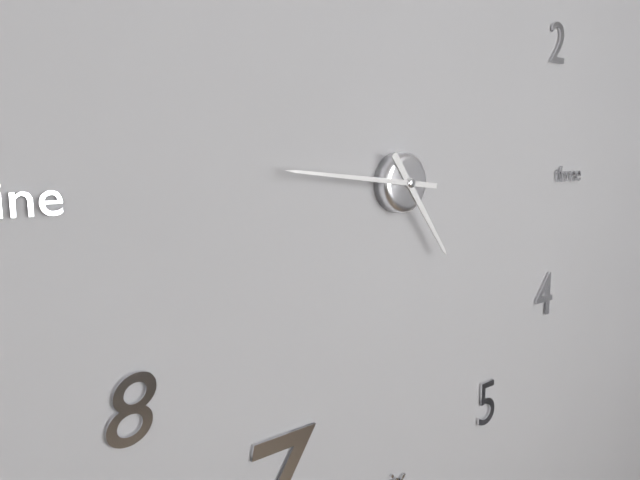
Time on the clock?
4:46
